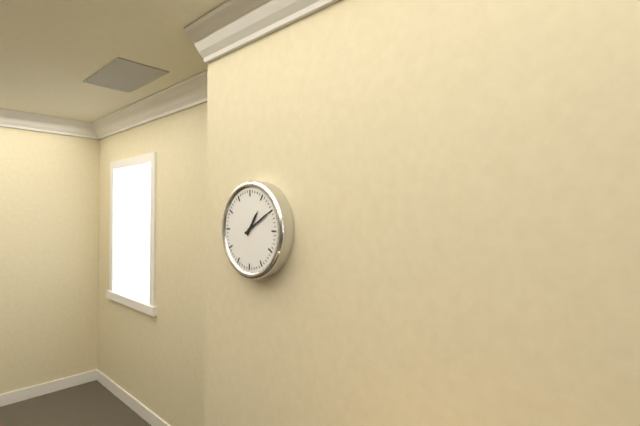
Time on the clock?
1:10
